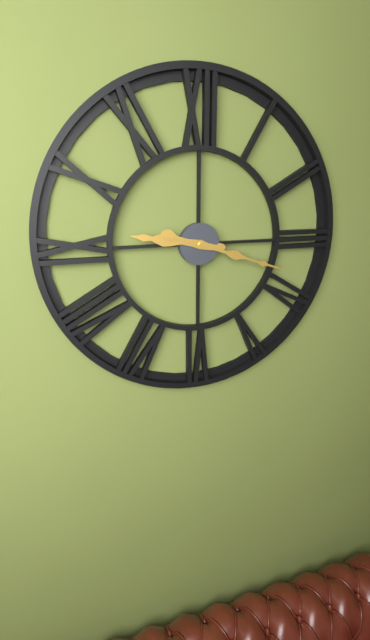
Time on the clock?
9:18
